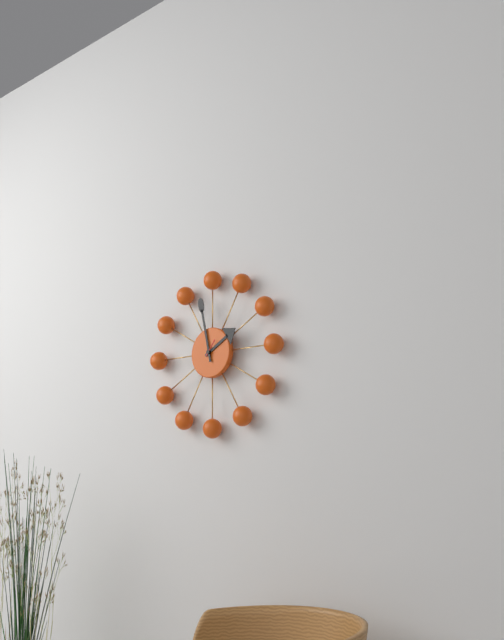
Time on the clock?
1:58
